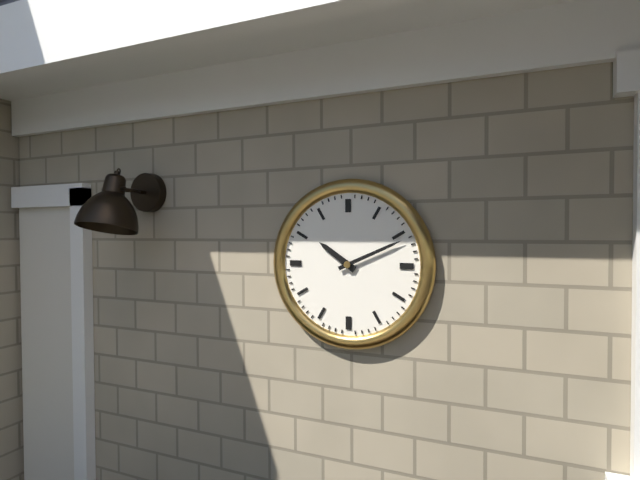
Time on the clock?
10:11
